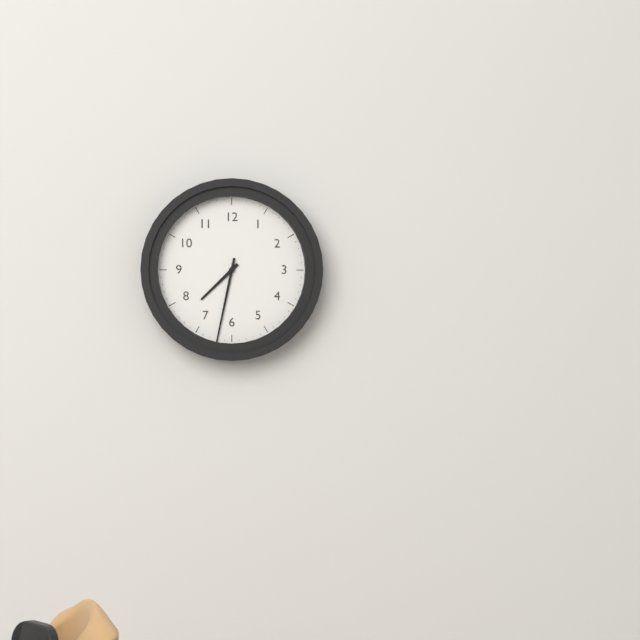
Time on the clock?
7:32
